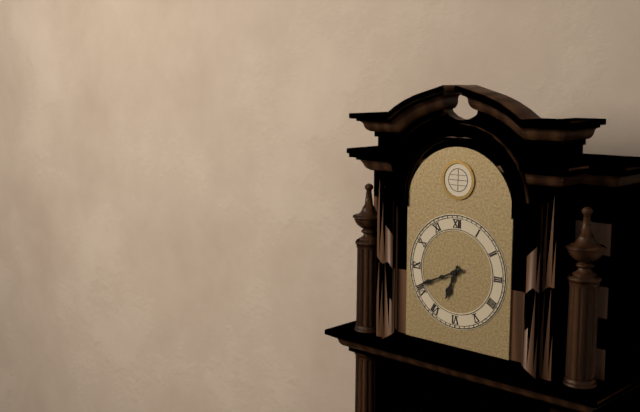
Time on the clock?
6:41
